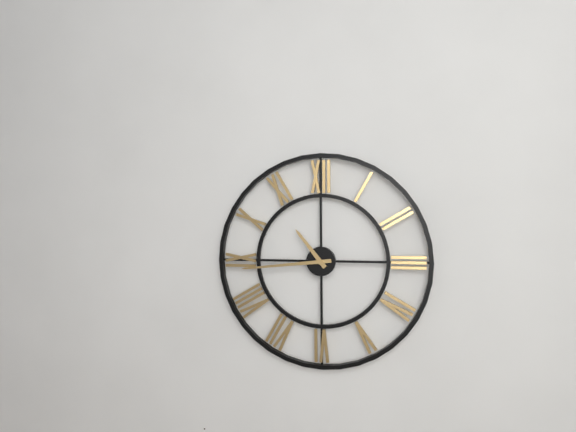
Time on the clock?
10:44
